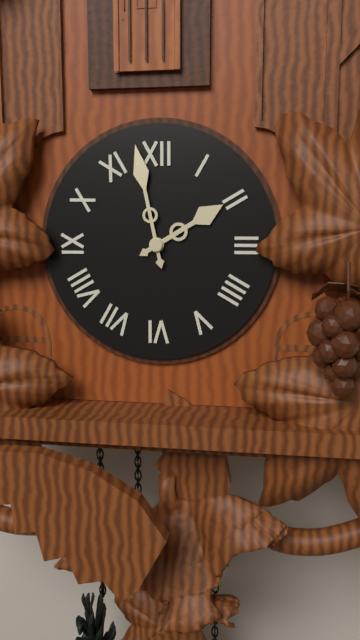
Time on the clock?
1:58
